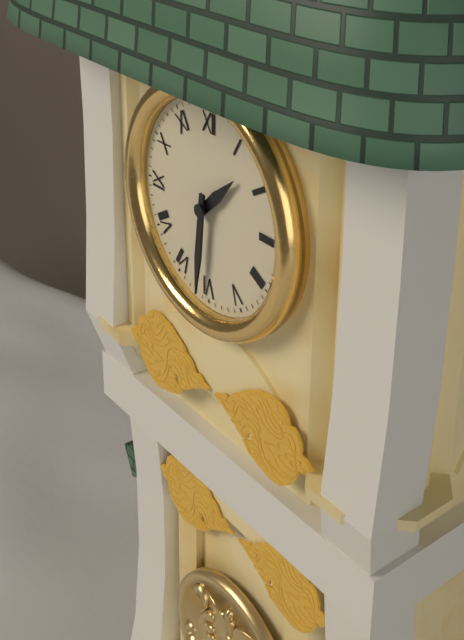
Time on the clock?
1:31
